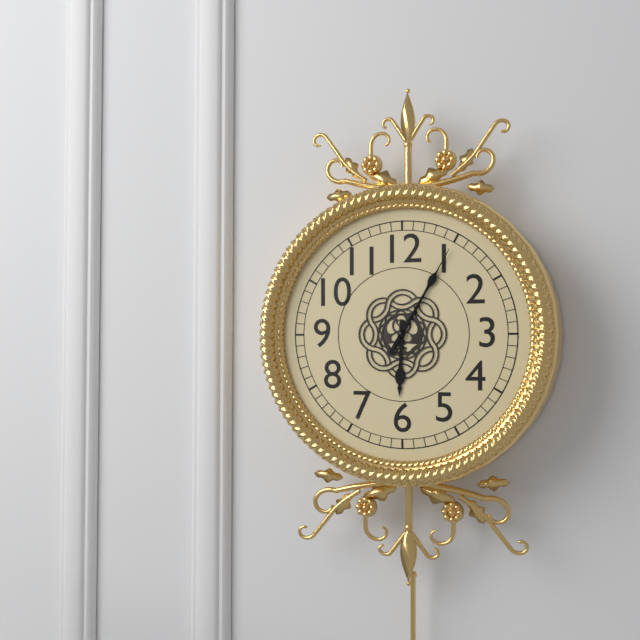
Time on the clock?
6:05:05
